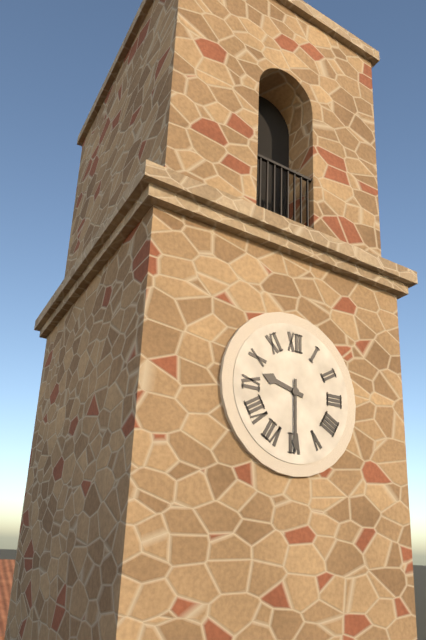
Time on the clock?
9:30
